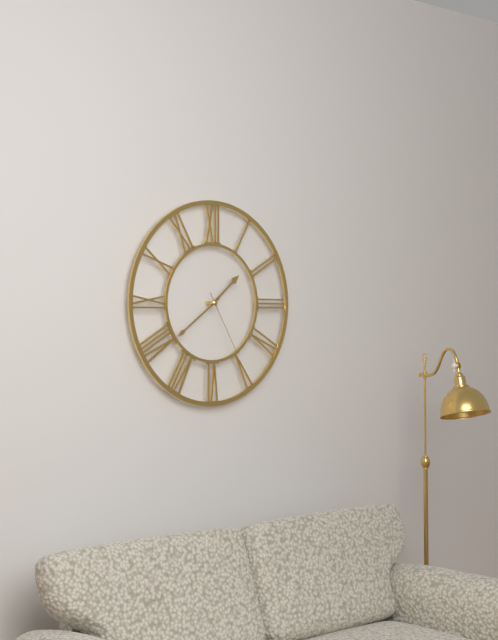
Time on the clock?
1:39:25
